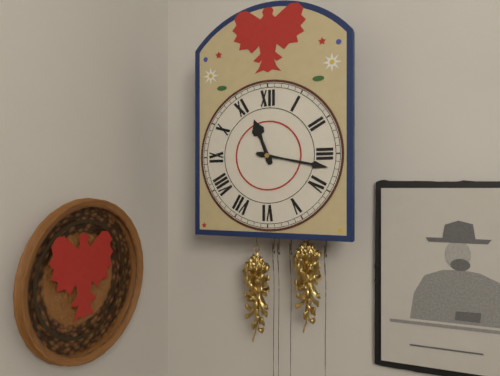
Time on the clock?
11:17
